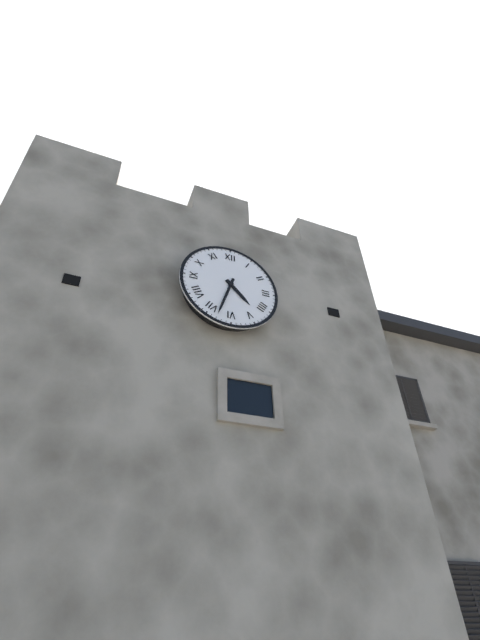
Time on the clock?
4:33
